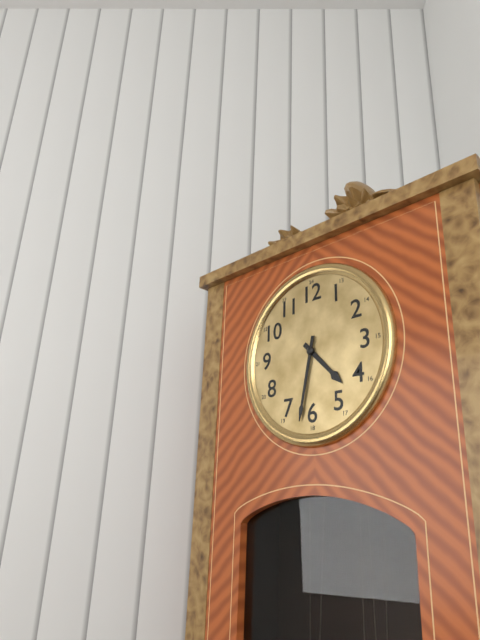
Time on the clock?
4:32
